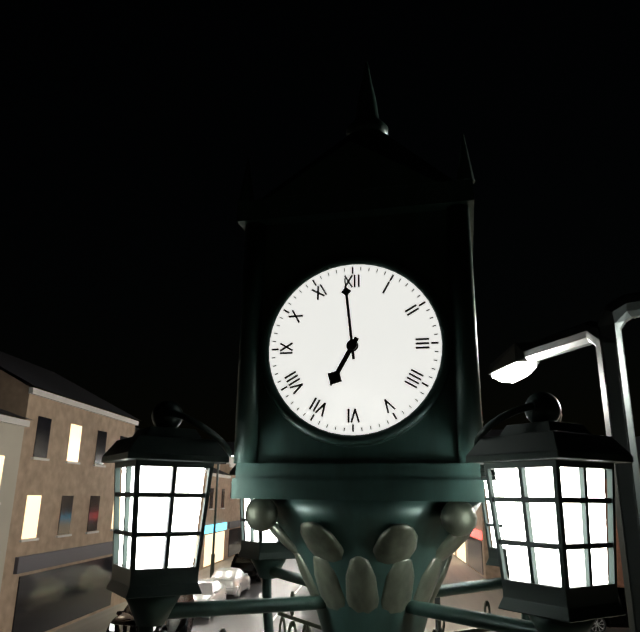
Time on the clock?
6:59
